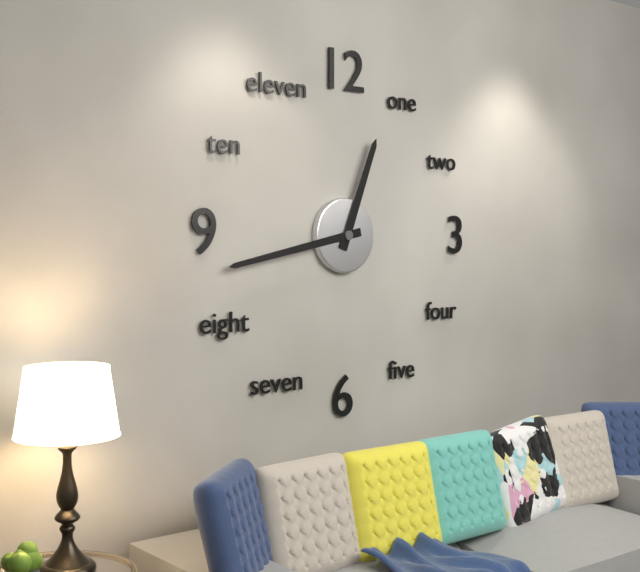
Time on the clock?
12:43
